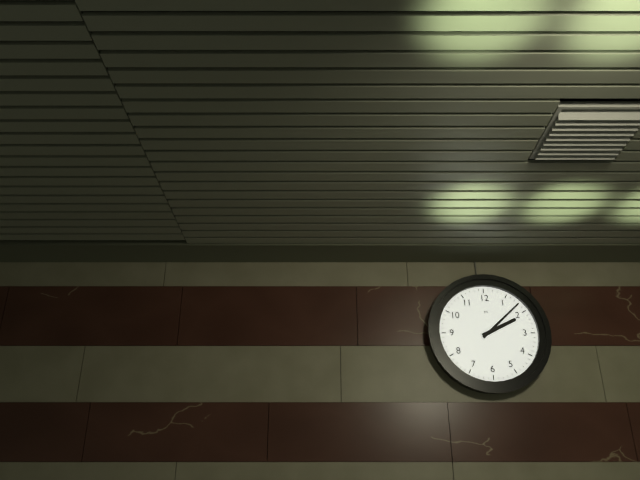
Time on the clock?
2:08
